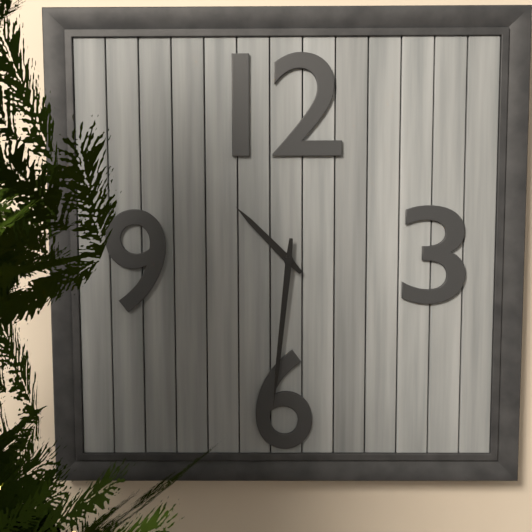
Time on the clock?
10:31
